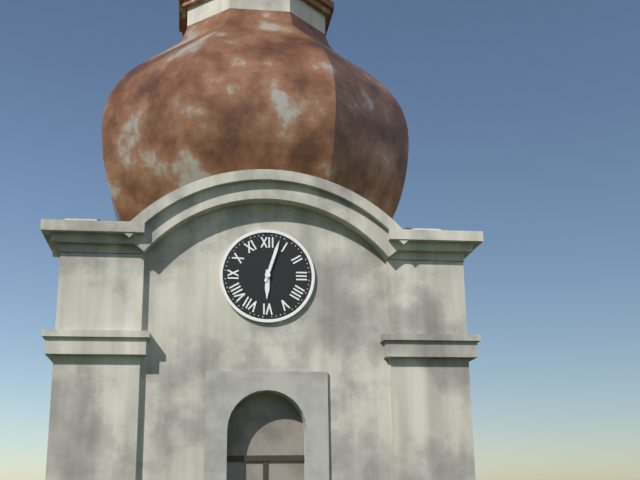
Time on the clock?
6:03
